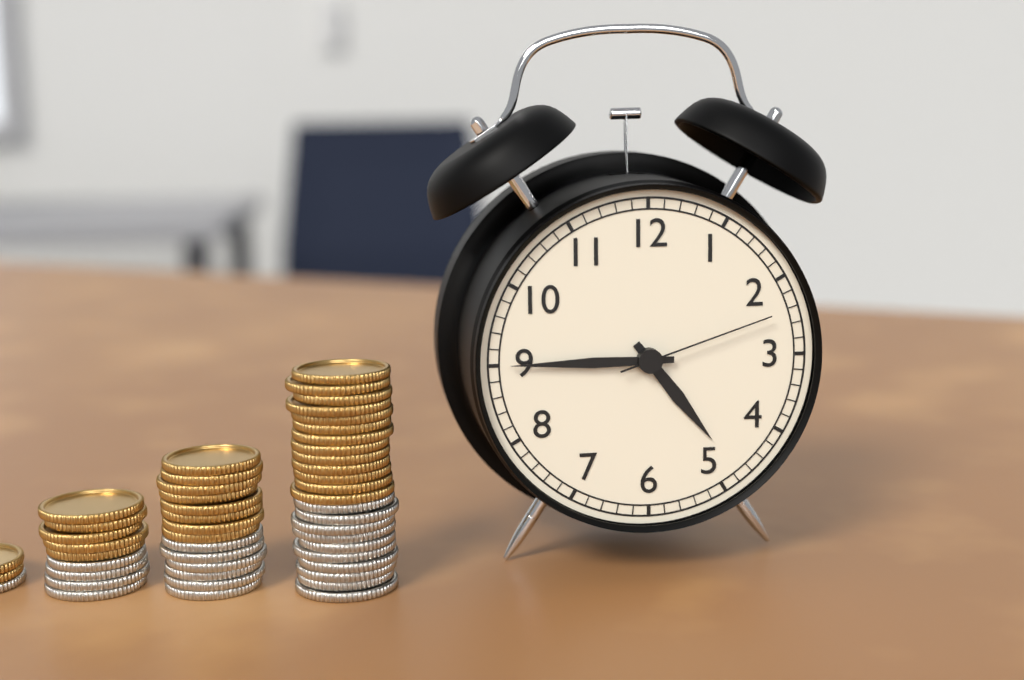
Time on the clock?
4:45:12
